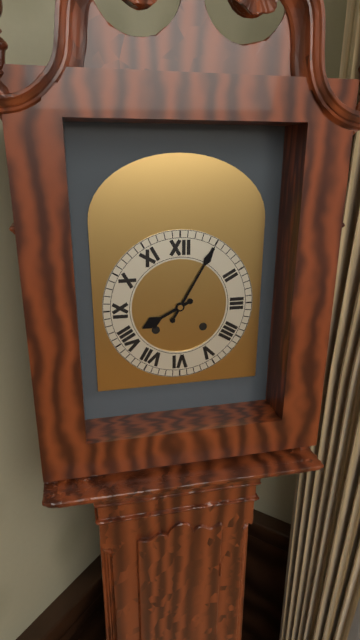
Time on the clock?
8:05
